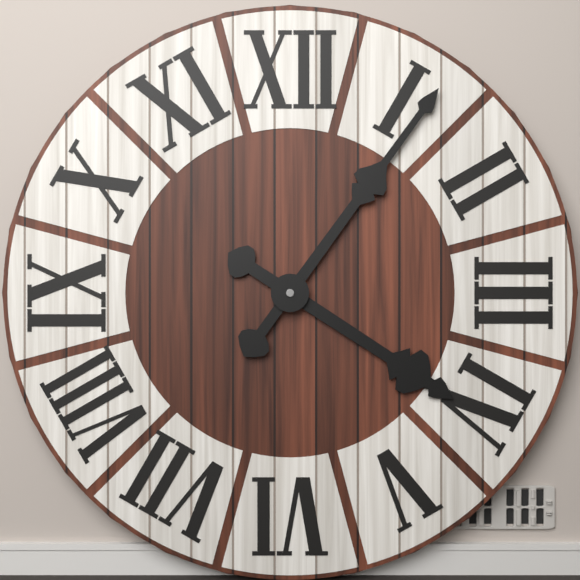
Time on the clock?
4:06
